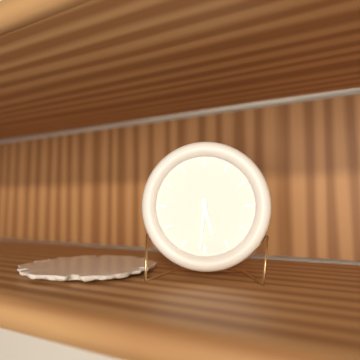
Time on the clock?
5:31
